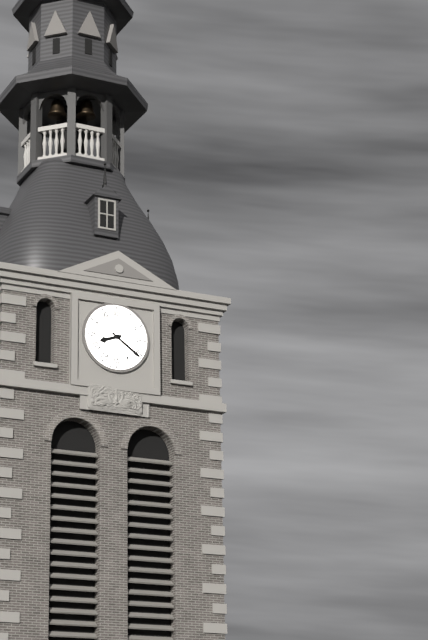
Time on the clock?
8:21
